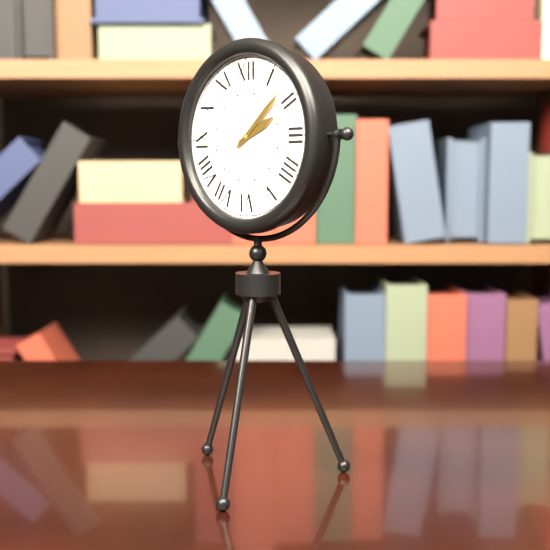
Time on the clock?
2:08
